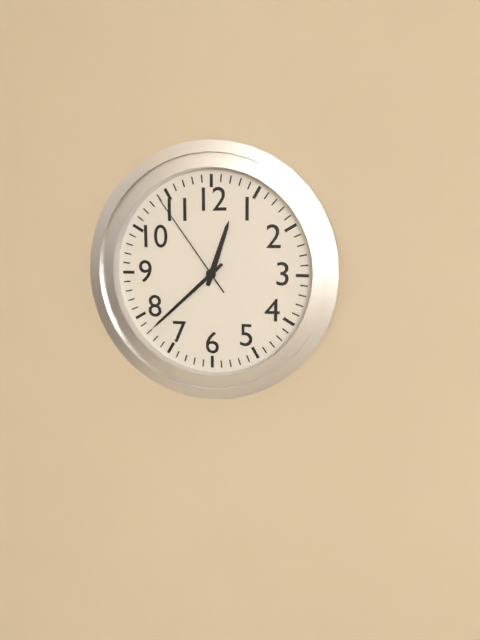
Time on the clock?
12:38:54
